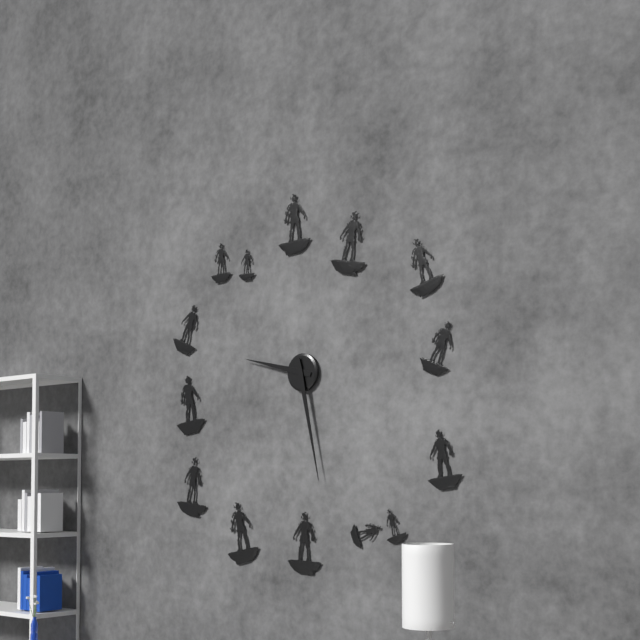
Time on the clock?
9:28
